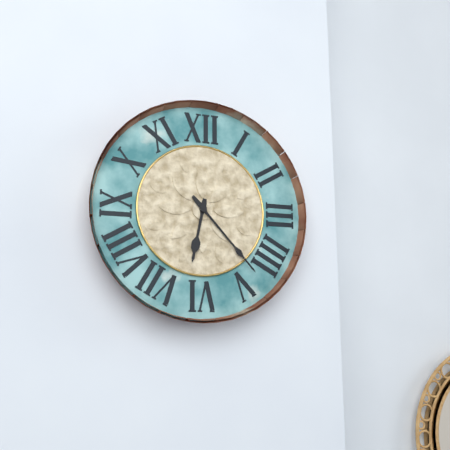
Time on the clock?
6:23
